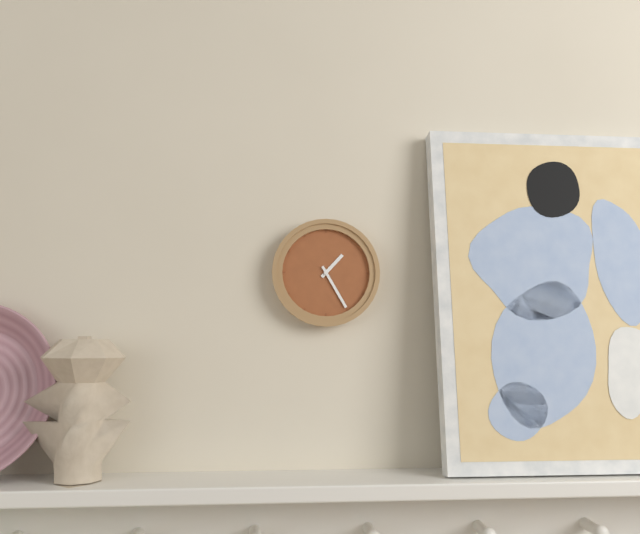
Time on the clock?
1:25
